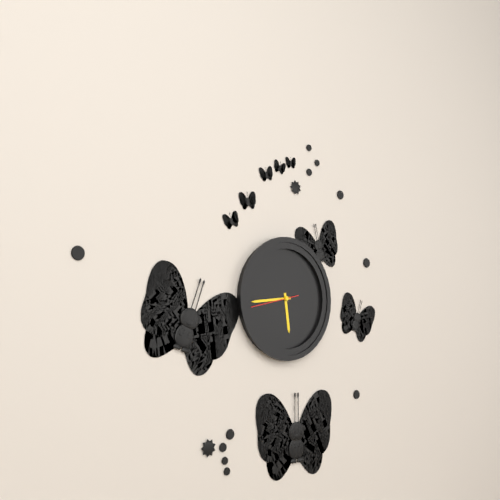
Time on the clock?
5:44
